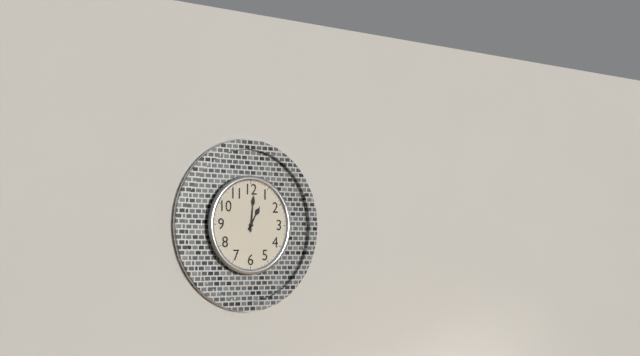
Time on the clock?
1:01
